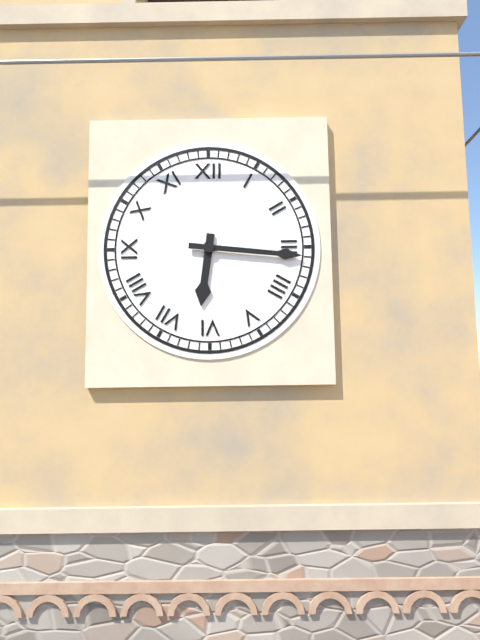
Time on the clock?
6:16
